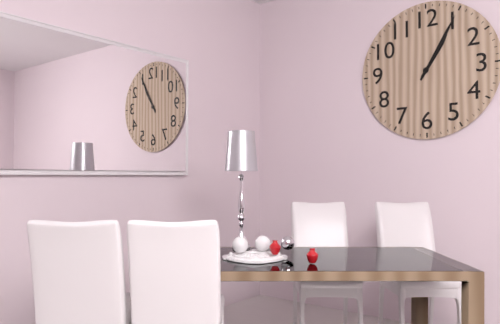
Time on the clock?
1:05
